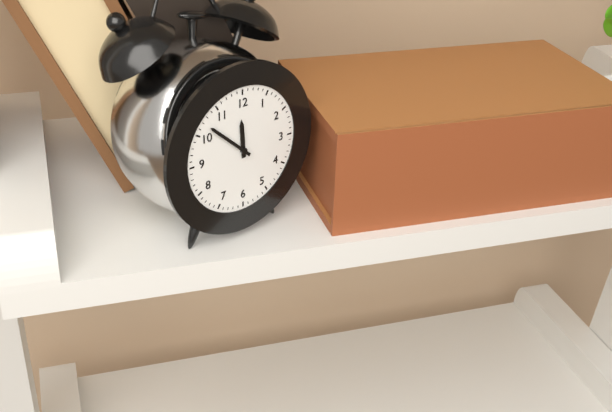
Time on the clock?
11:52
